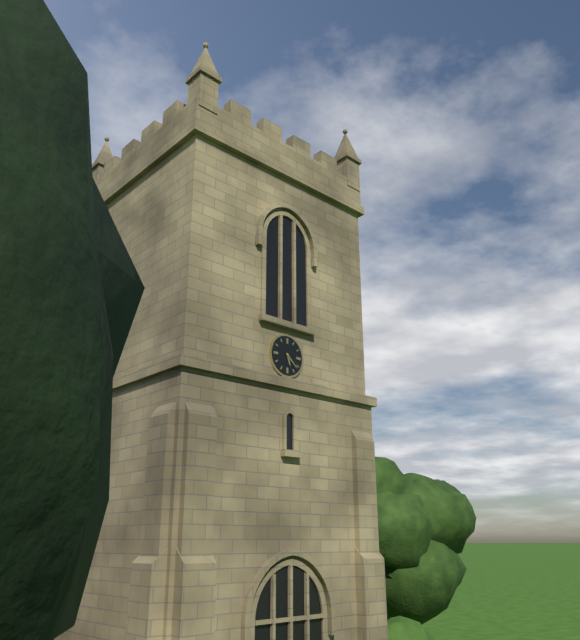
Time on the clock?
5:22
